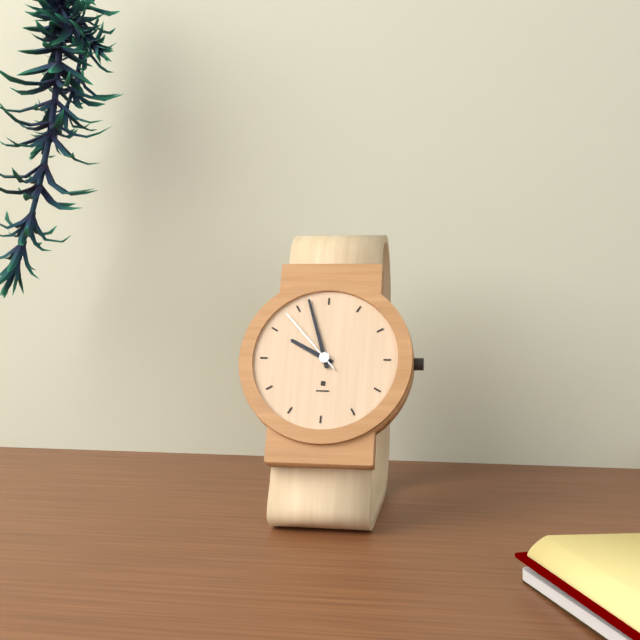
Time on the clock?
9:57:53
